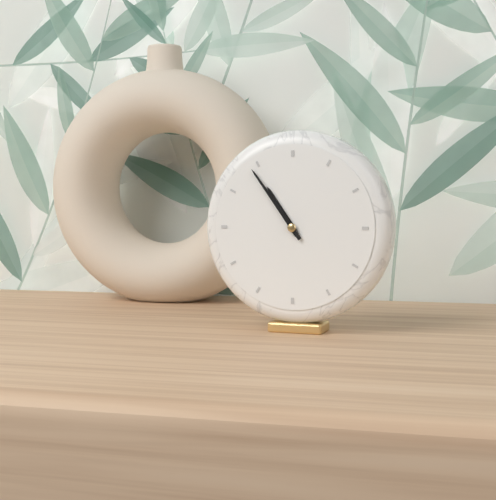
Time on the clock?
10:54
